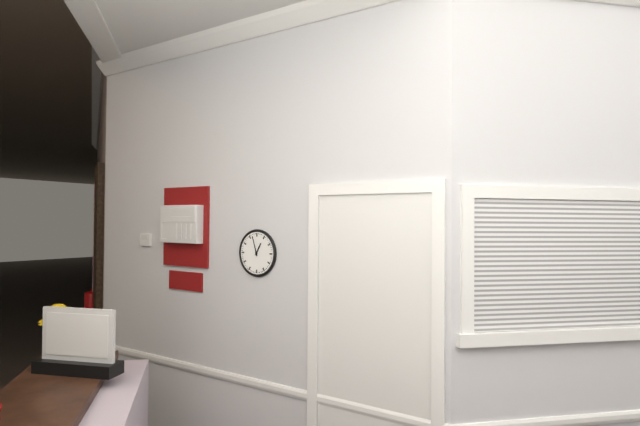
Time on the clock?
12:57
